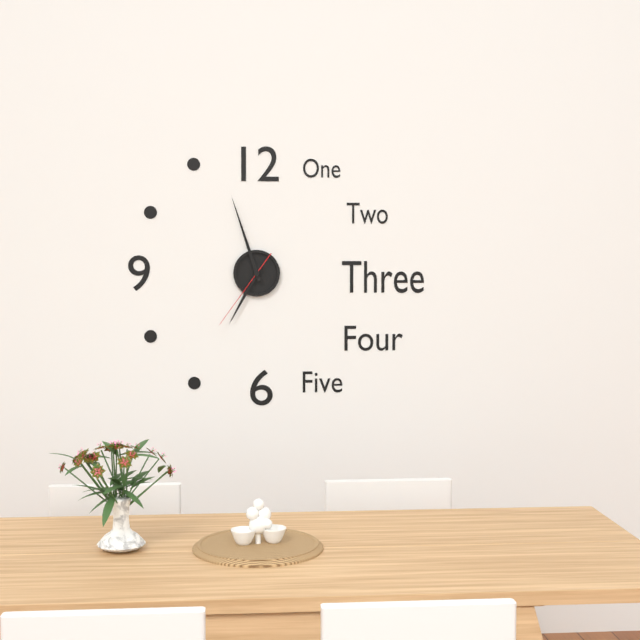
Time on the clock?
6:57:36
